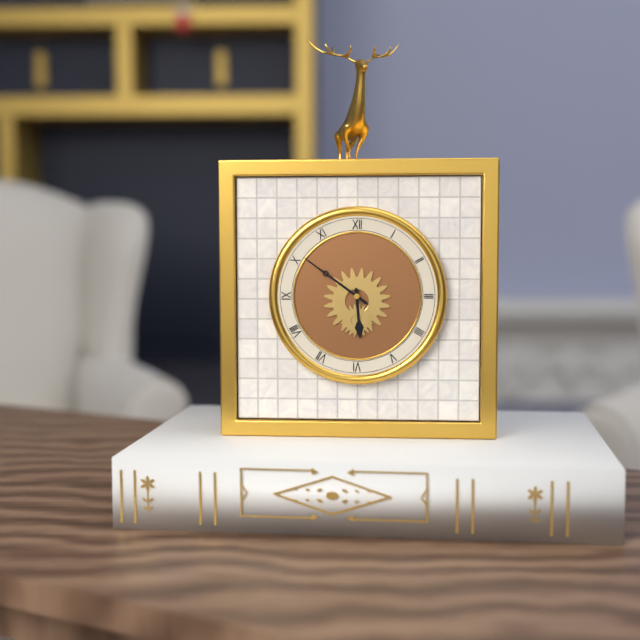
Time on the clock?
5:51
